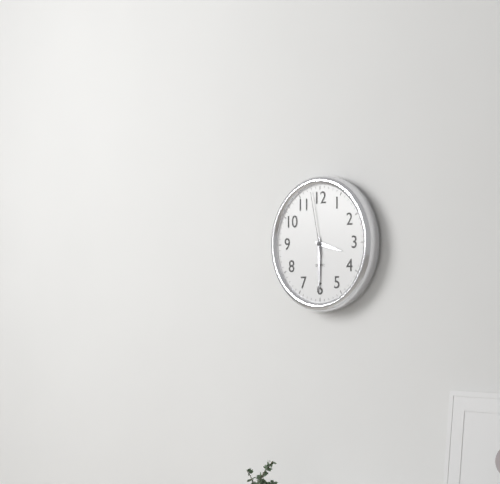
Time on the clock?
3:30:58
